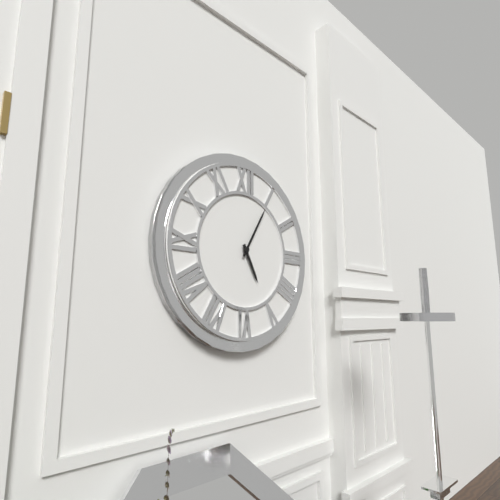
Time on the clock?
5:05
